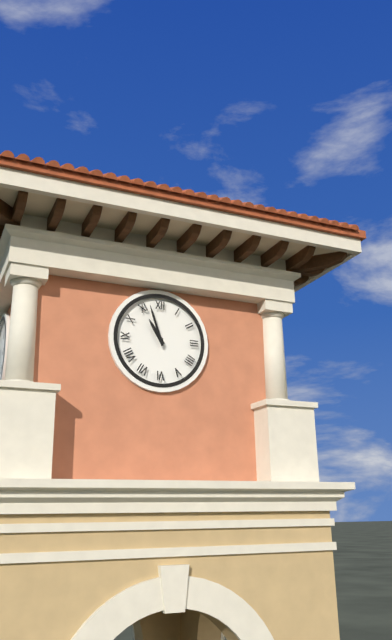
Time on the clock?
10:57
